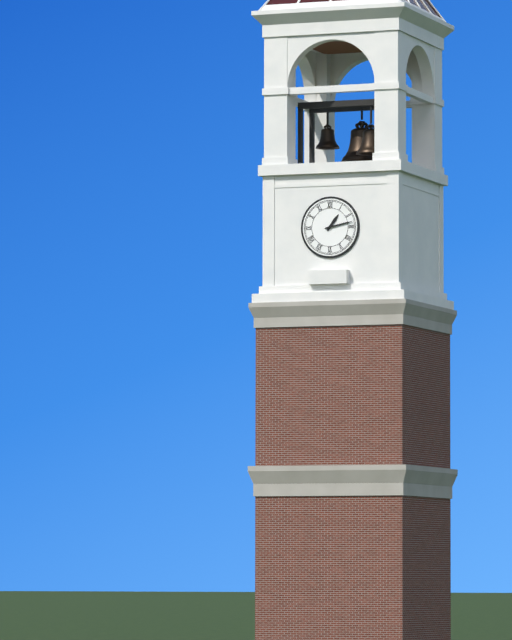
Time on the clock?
1:13
